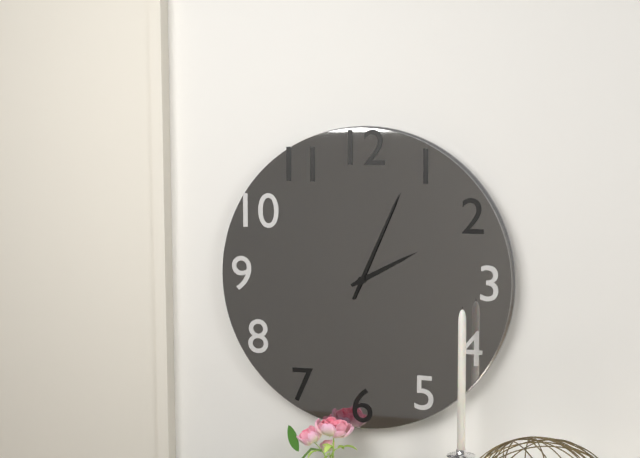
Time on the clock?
2:04
